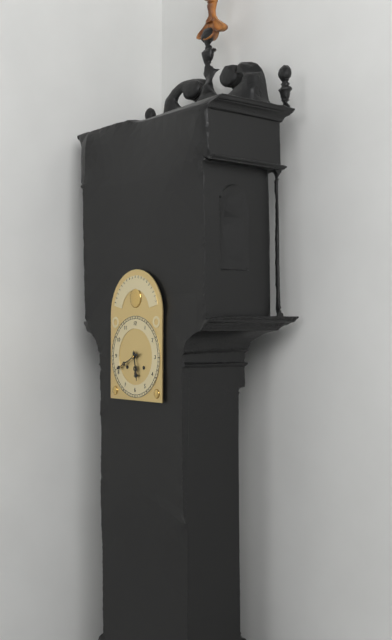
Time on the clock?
5:41
